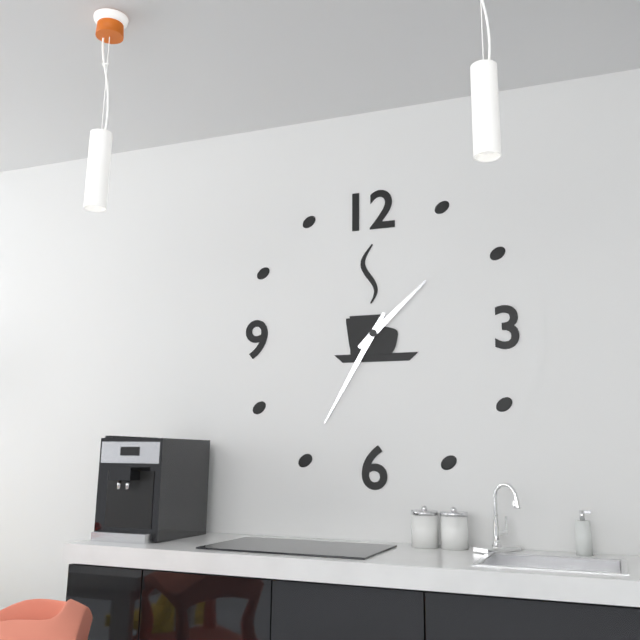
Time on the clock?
1:35
